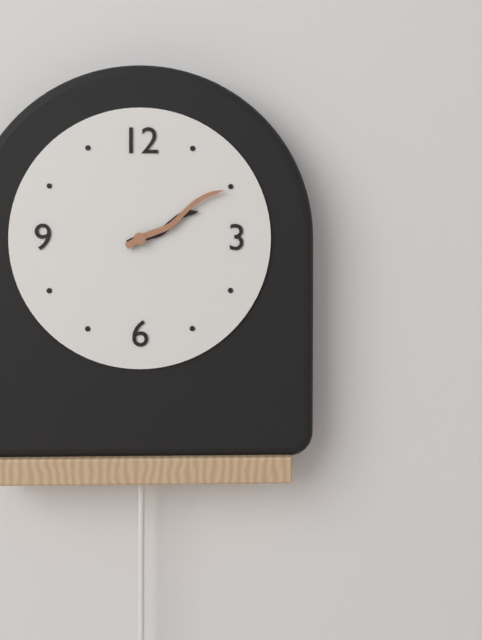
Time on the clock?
2:10
